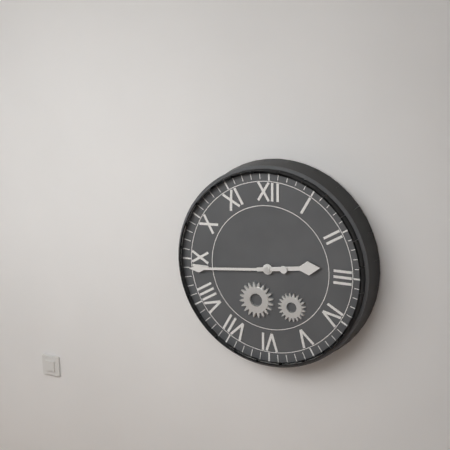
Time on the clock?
2:44
